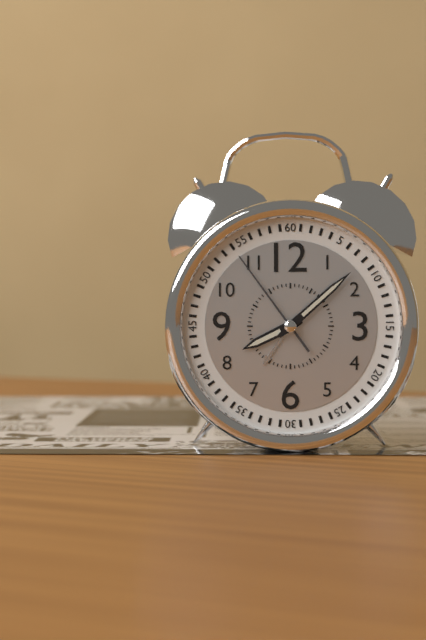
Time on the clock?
8:08:54
